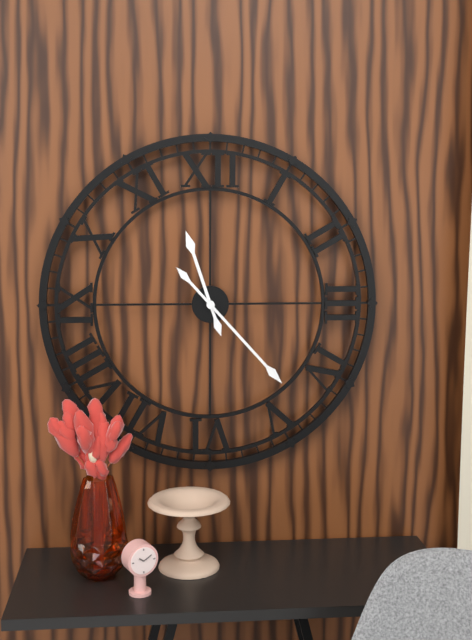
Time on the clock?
11:23
